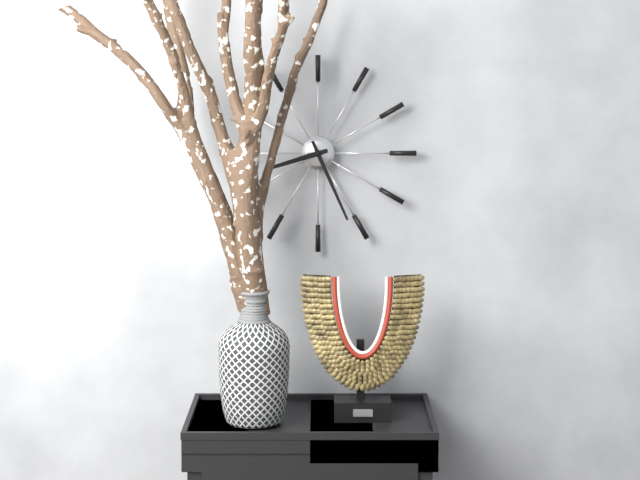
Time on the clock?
8:26
